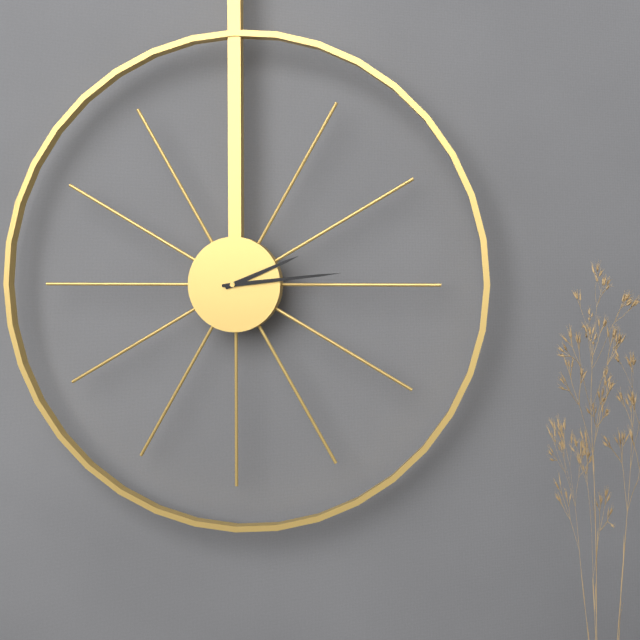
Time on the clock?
2:14
